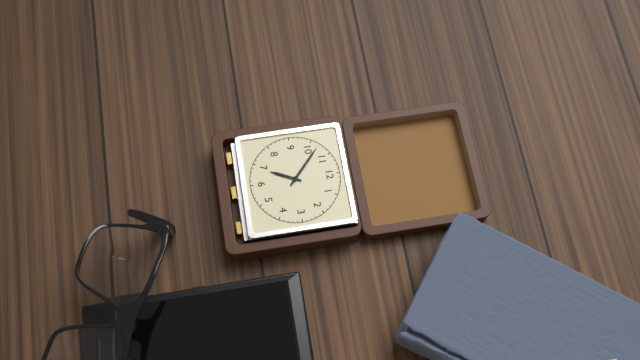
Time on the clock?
6:52
